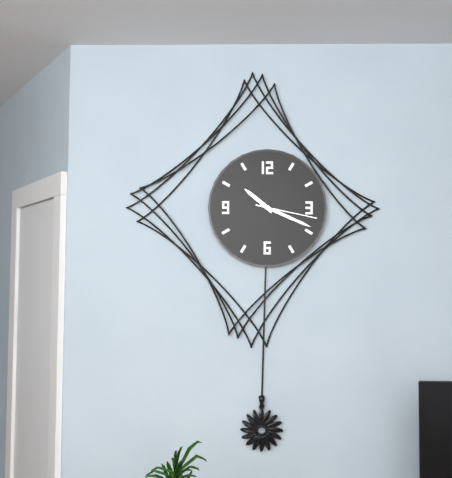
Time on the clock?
10:19:17
